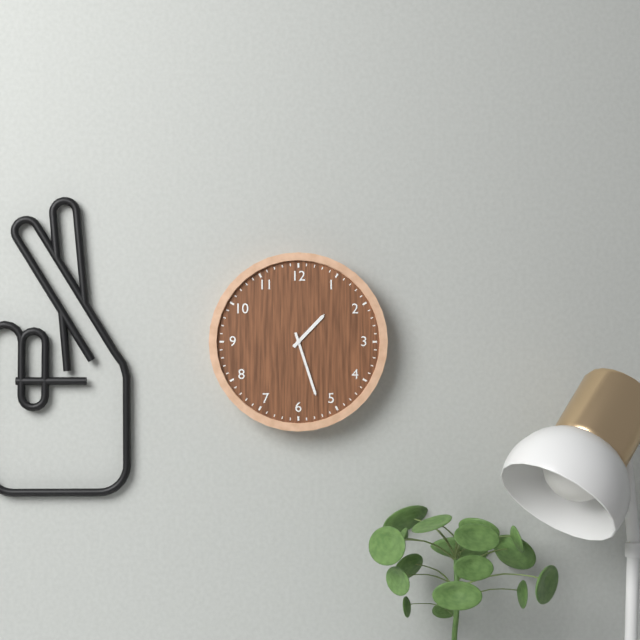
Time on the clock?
1:27
